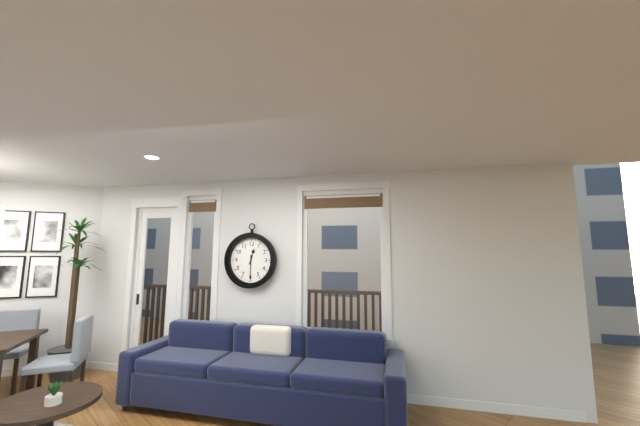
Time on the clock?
12:30
